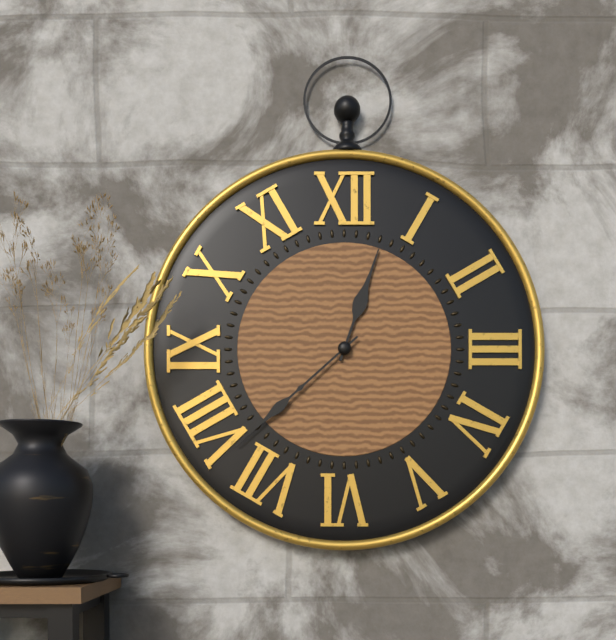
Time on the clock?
12:38
